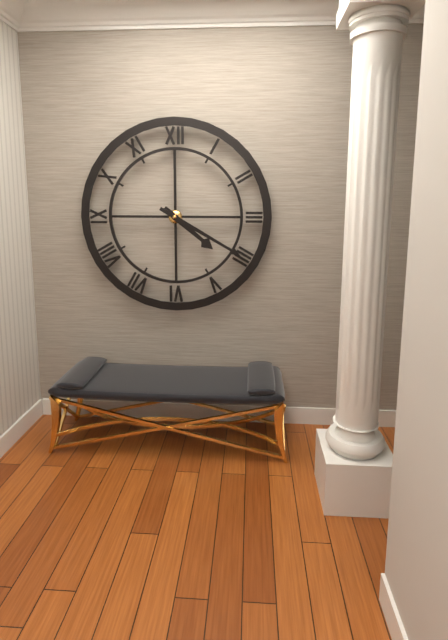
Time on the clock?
4:20
